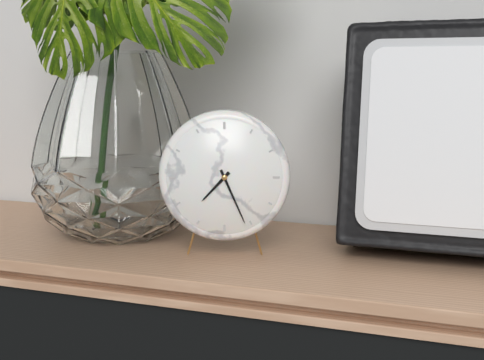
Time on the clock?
7:26
